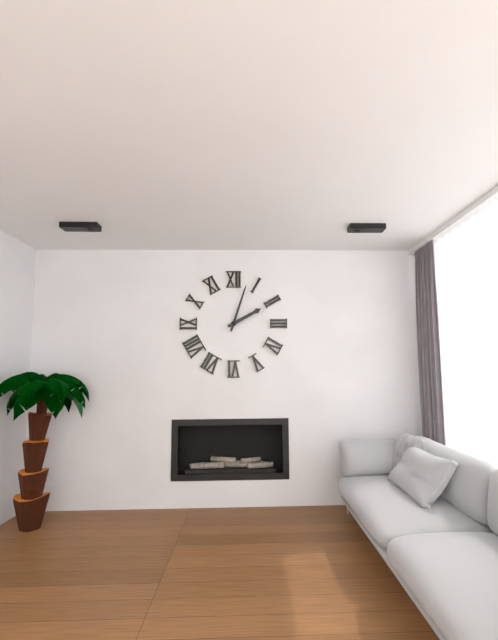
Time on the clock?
2:03
